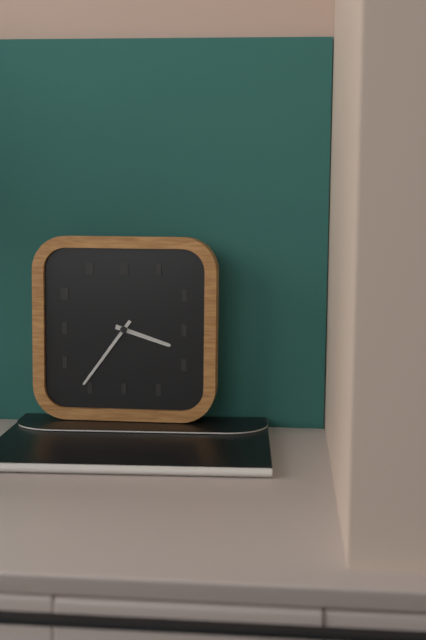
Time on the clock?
3:36
